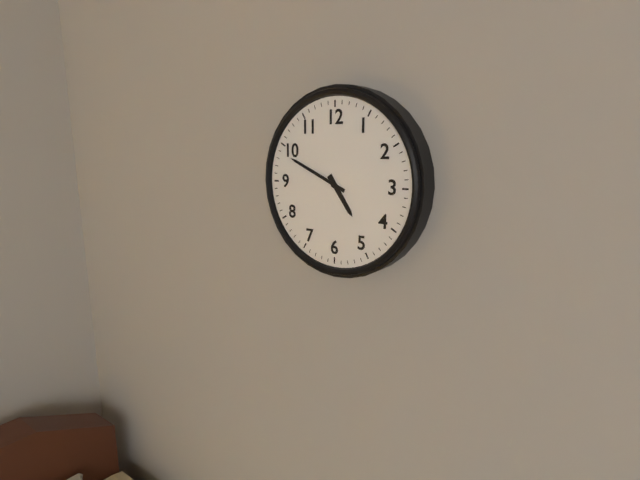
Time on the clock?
4:49
